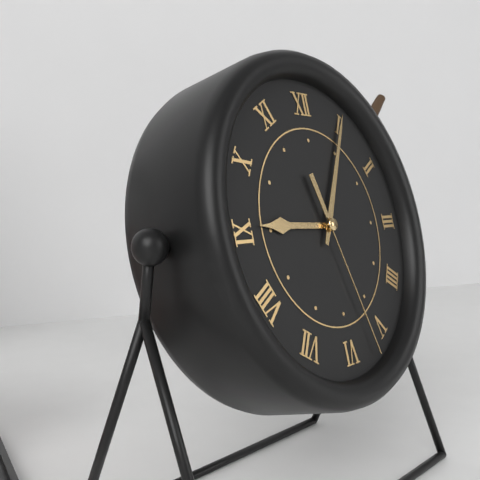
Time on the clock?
9:05:27
